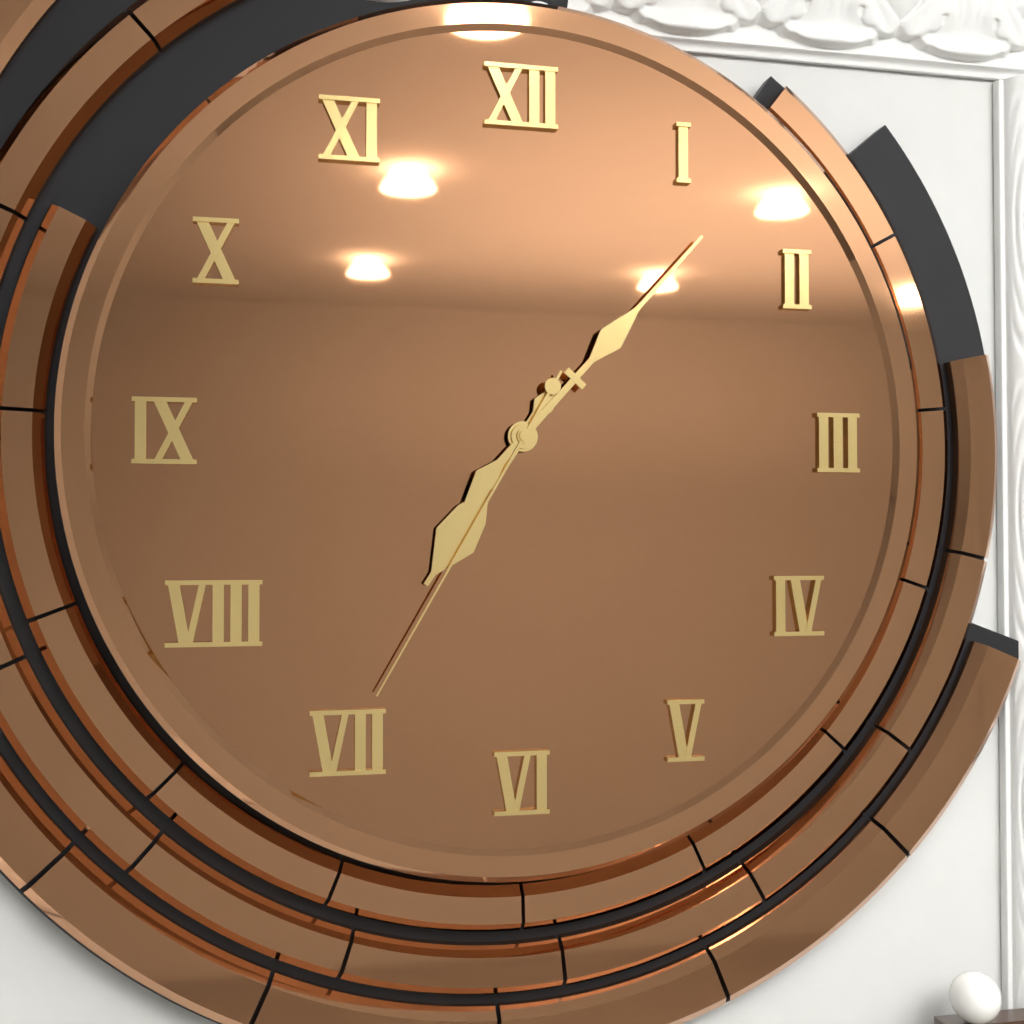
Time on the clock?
7:07:35
